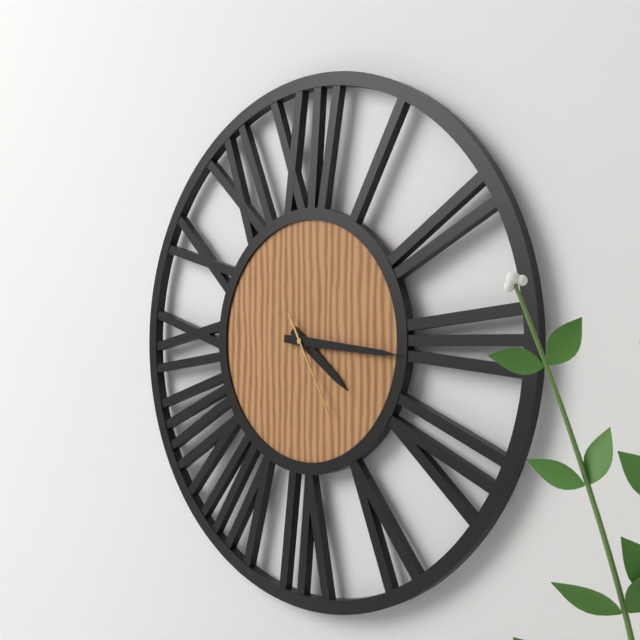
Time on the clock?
4:16:25
